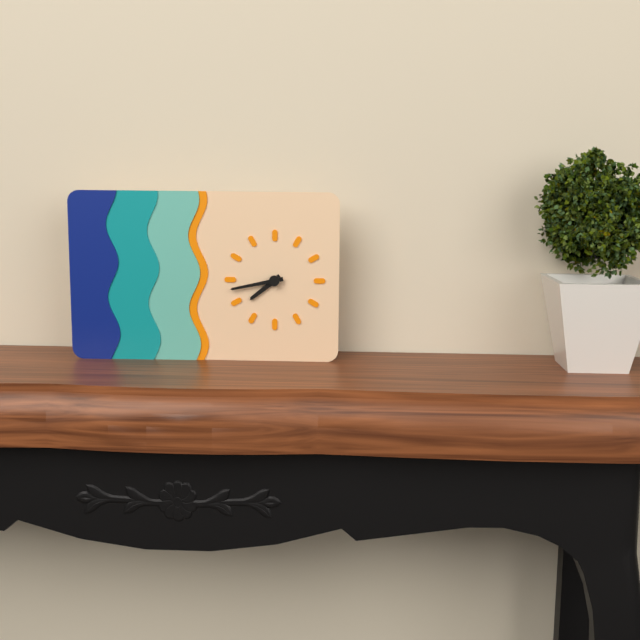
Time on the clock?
7:43
